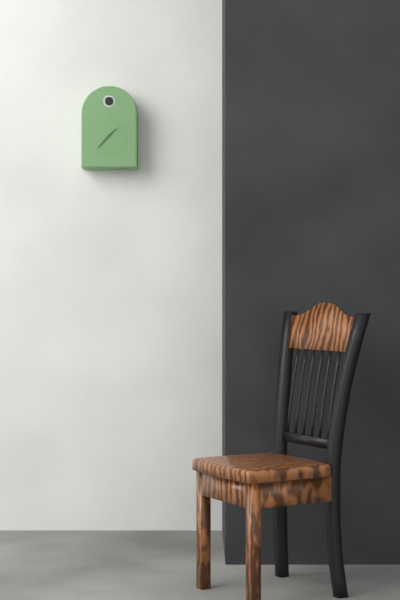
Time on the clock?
1:37
